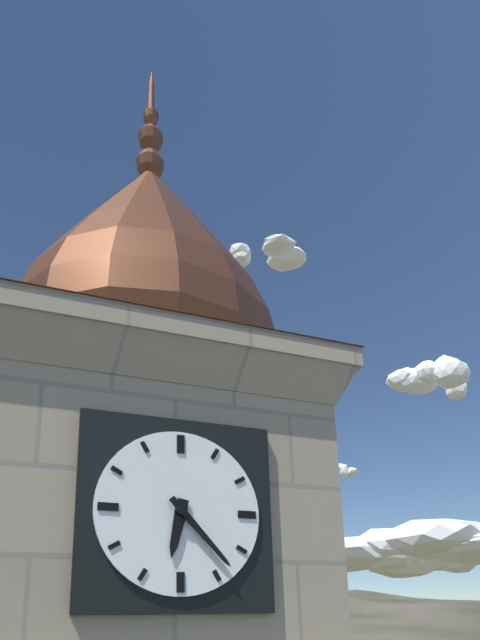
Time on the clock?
6:23
